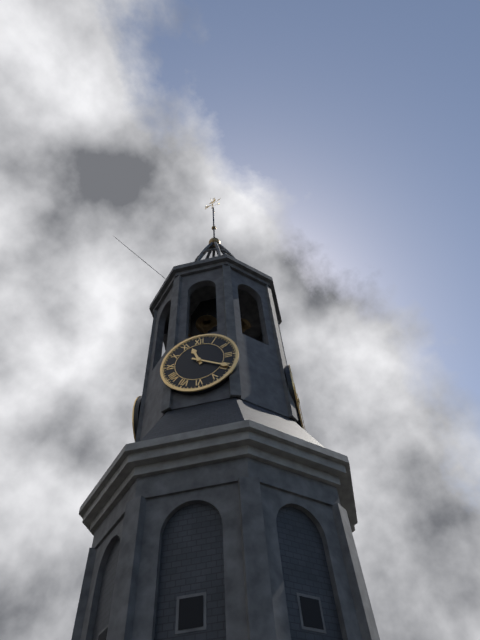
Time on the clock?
11:20
